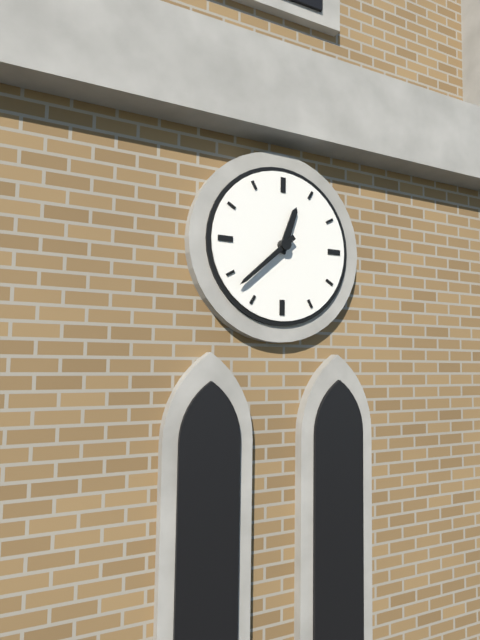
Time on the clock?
12:38
